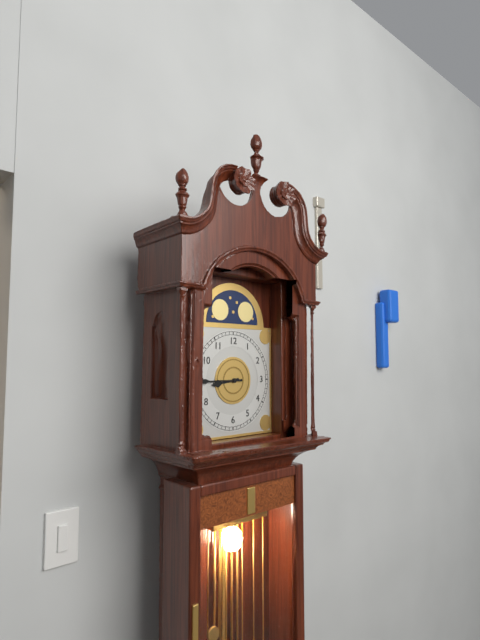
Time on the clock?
8:45
